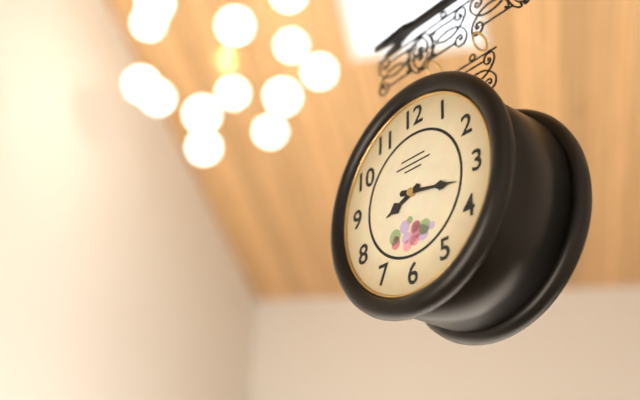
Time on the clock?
8:17
